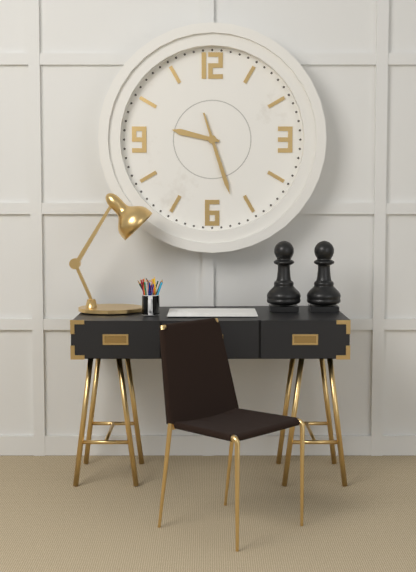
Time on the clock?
9:27
